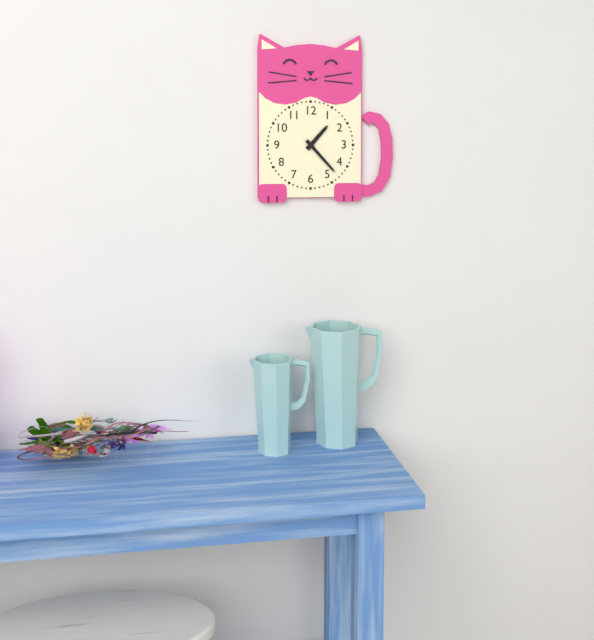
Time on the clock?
1:23
